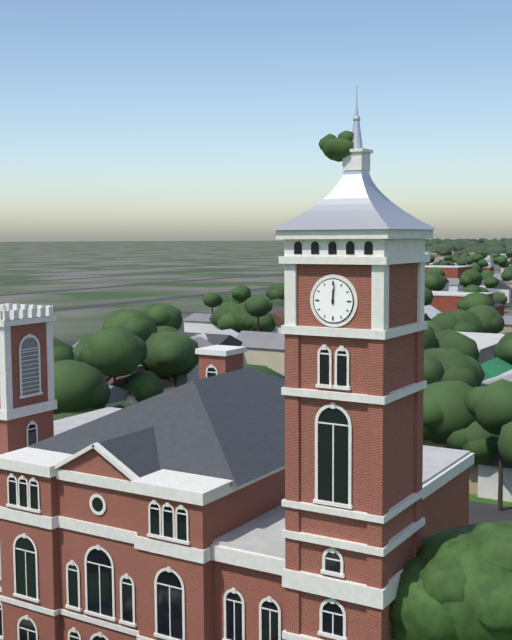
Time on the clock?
12:01
